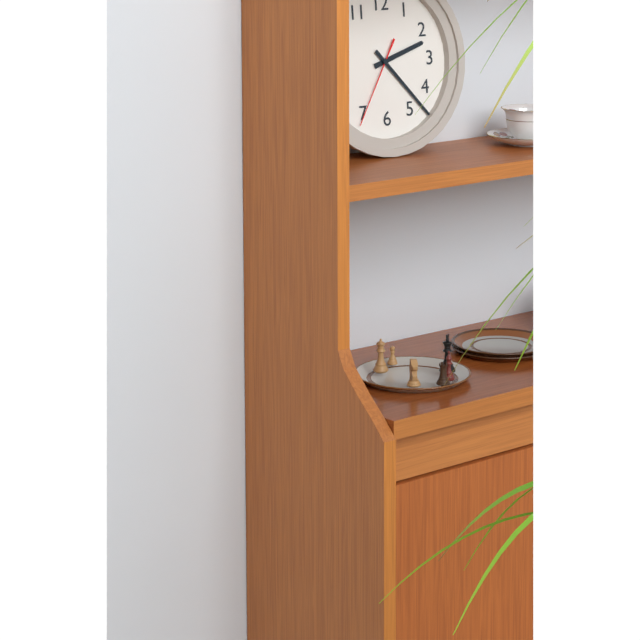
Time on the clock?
2:23:35
